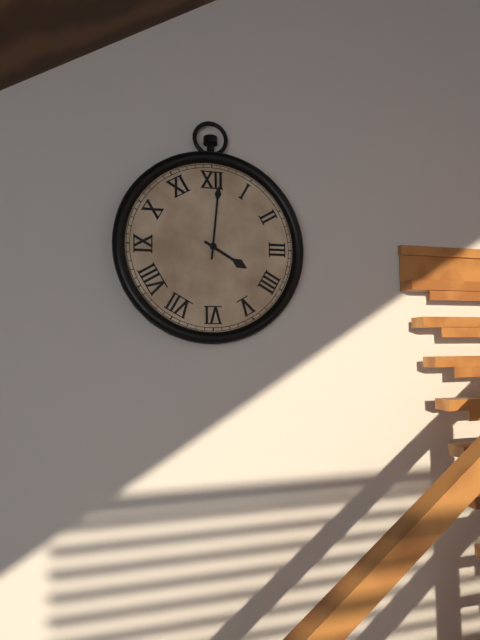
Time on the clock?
4:01
